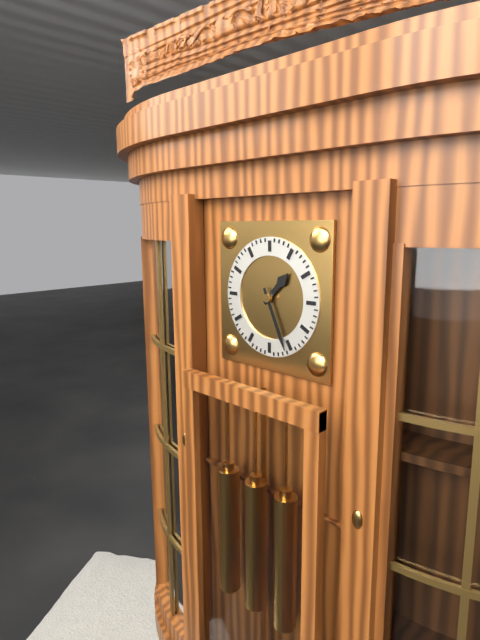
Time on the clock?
1:26
